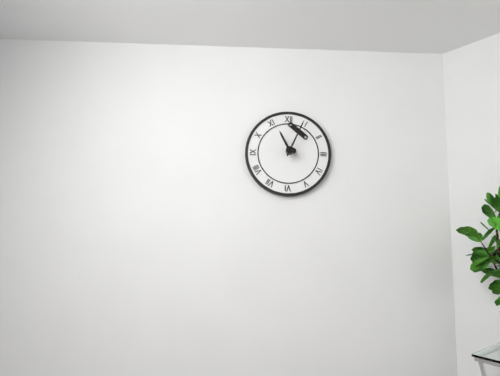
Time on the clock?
11:04
